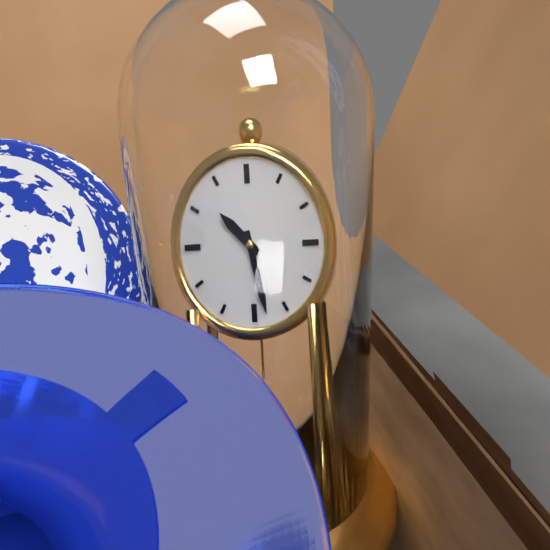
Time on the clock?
10:28
